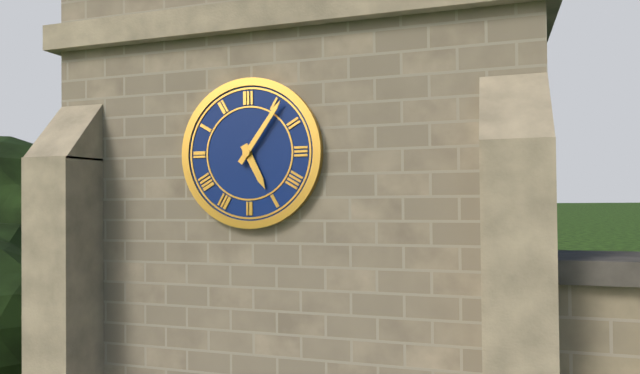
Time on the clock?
5:06
